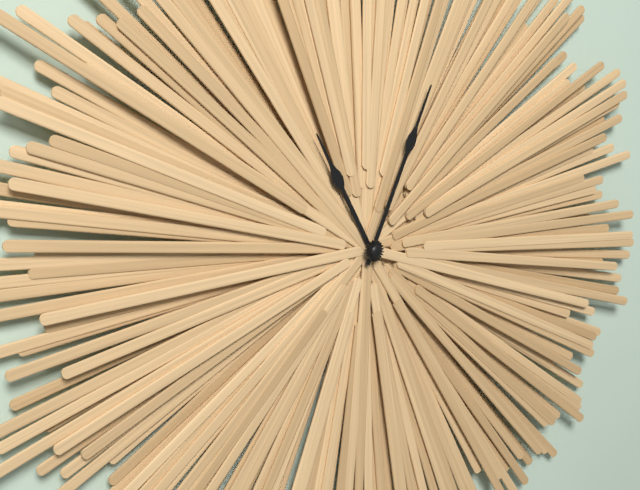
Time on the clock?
11:04
